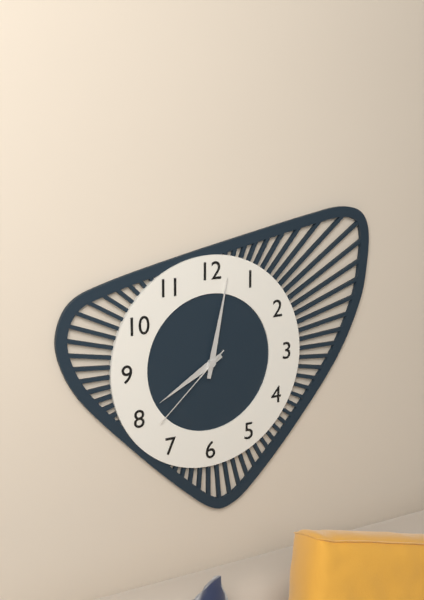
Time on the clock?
8:02:38
